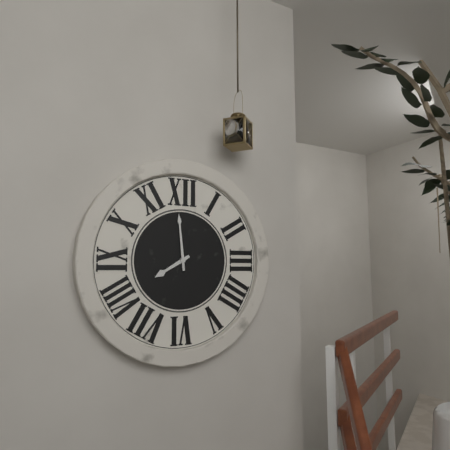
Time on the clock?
7:59
